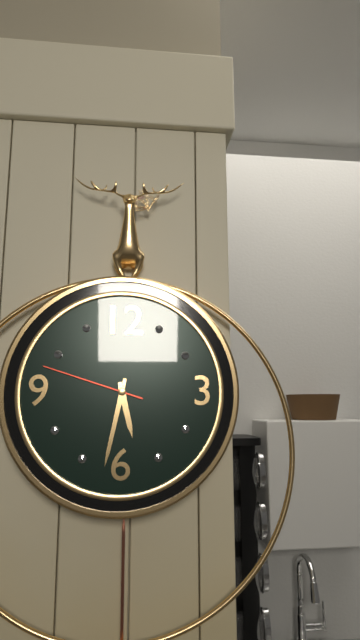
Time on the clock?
5:32:48
